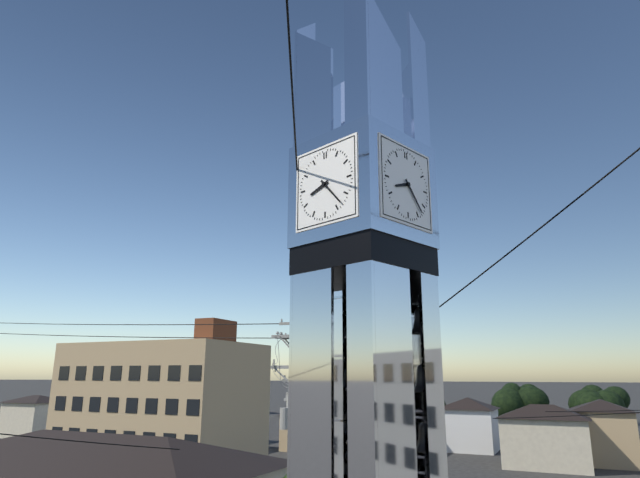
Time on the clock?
8:23
